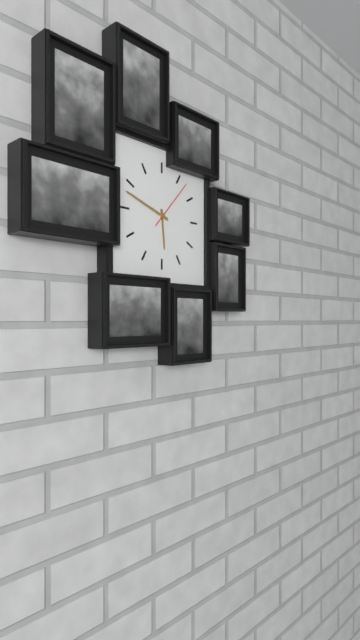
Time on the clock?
5:48
